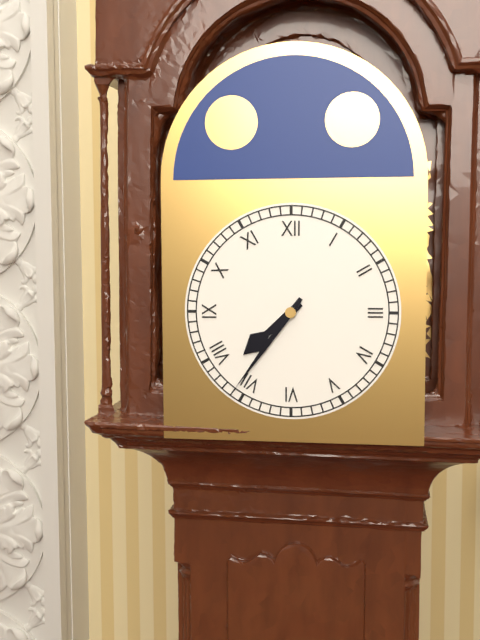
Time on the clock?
7:36
